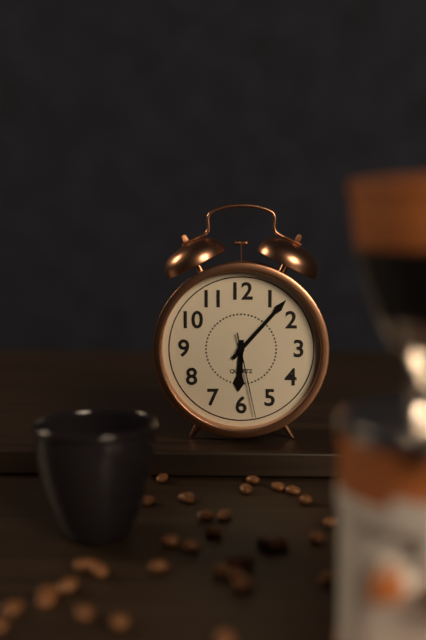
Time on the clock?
6:07:28
